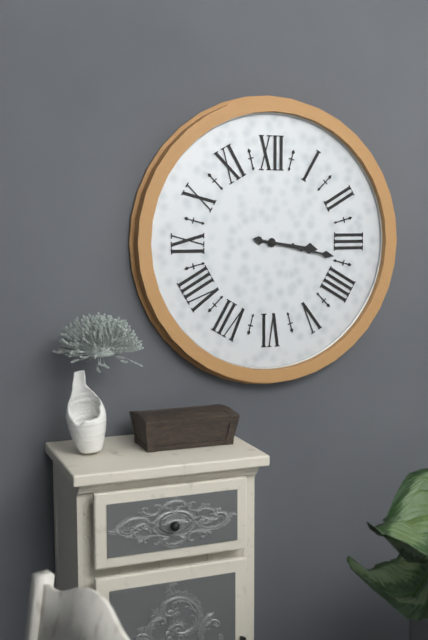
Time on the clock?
3:17
